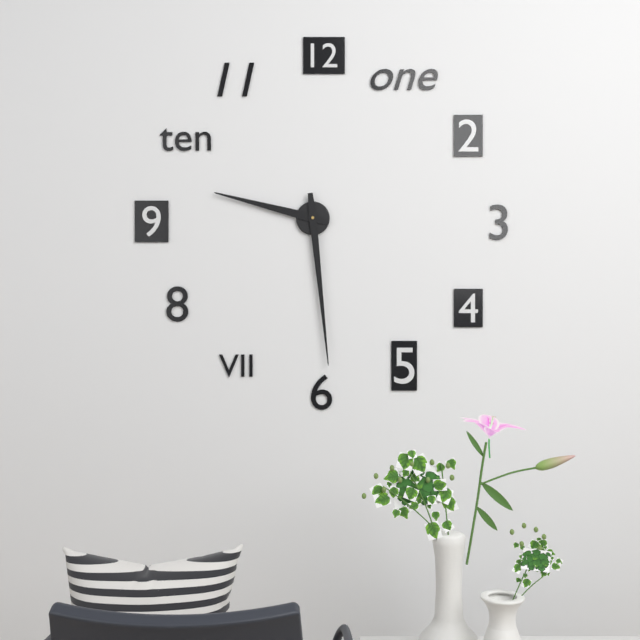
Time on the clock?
9:29
